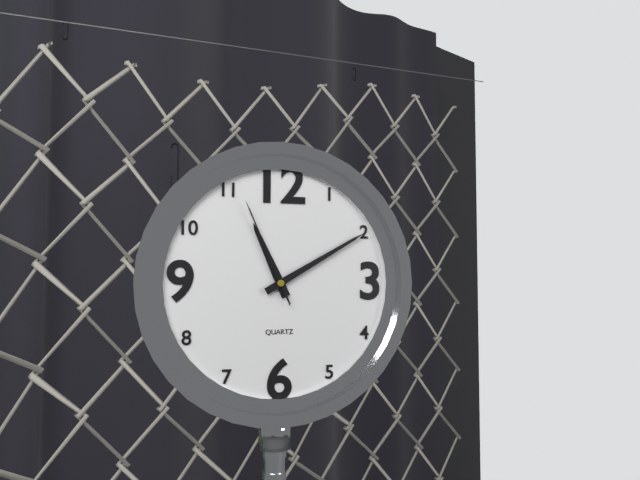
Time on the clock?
11:10:56
